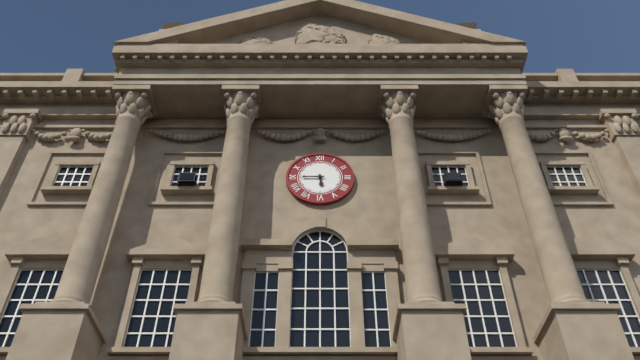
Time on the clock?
5:45
